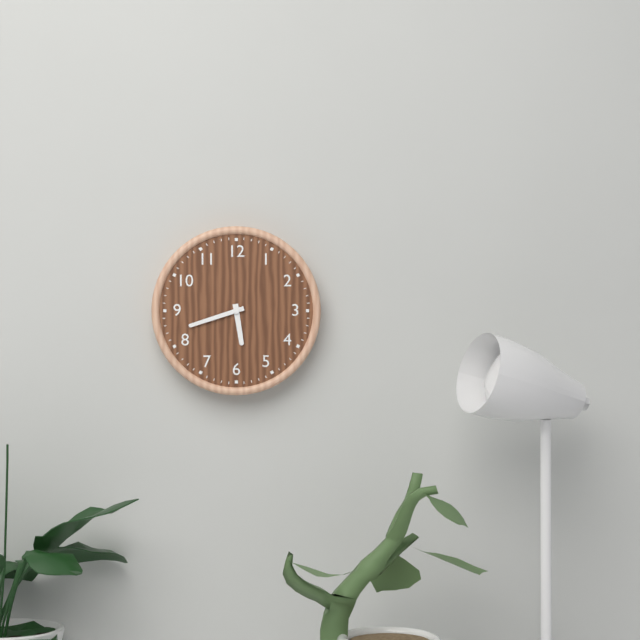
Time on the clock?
5:42
